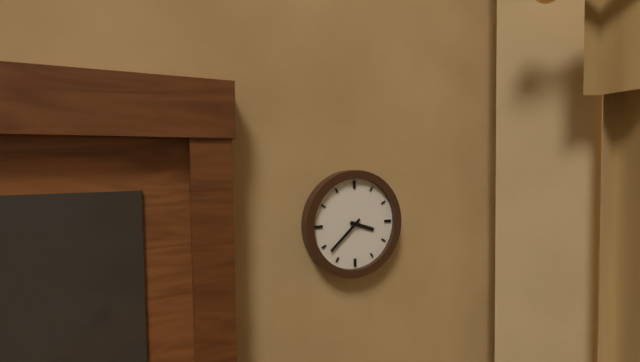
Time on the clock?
3:38
